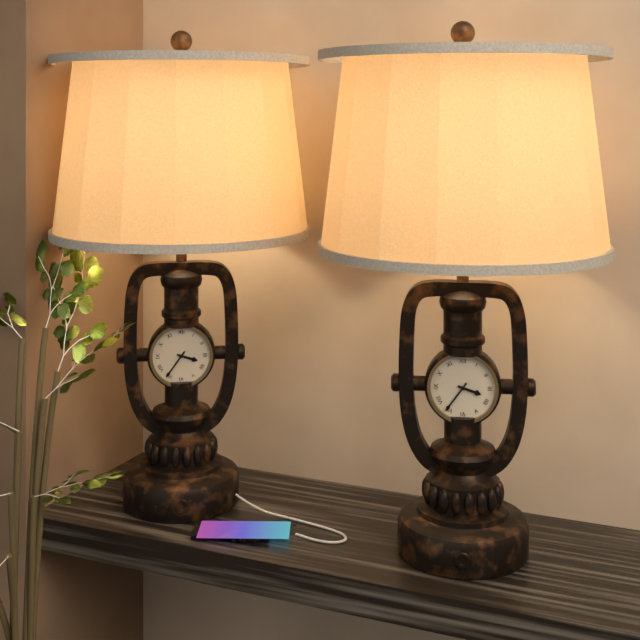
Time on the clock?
3:36
